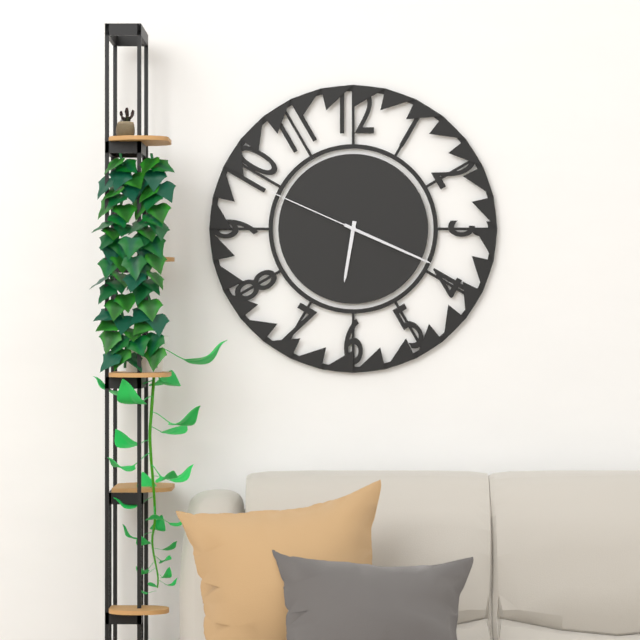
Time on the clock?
6:19:49
